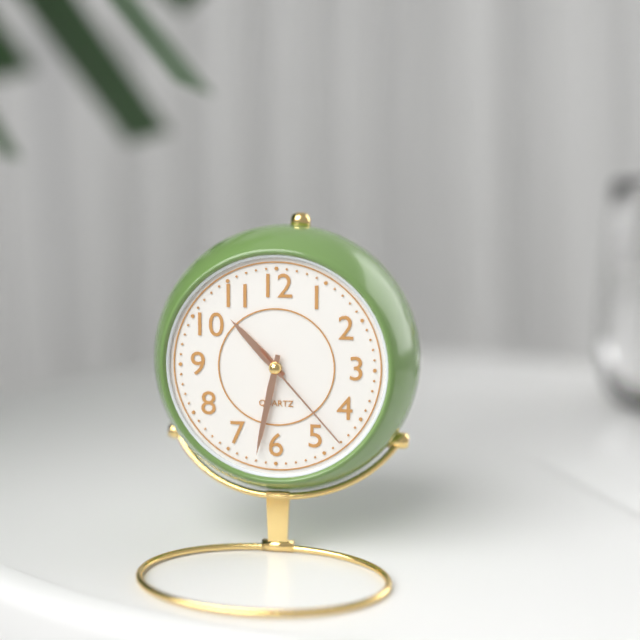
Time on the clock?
10:32:23
